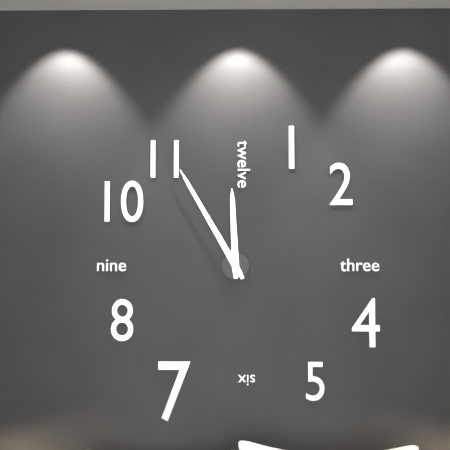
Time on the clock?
11:55
